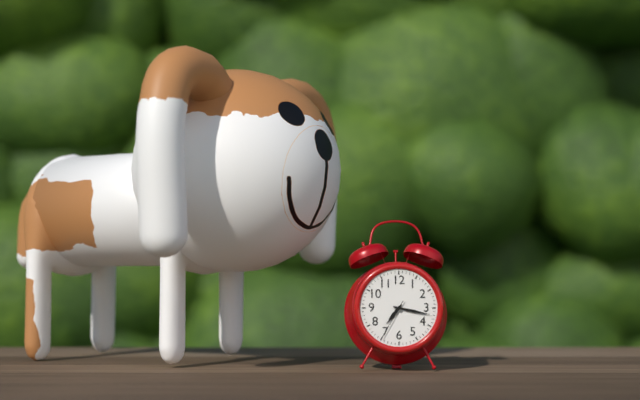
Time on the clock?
7:17
